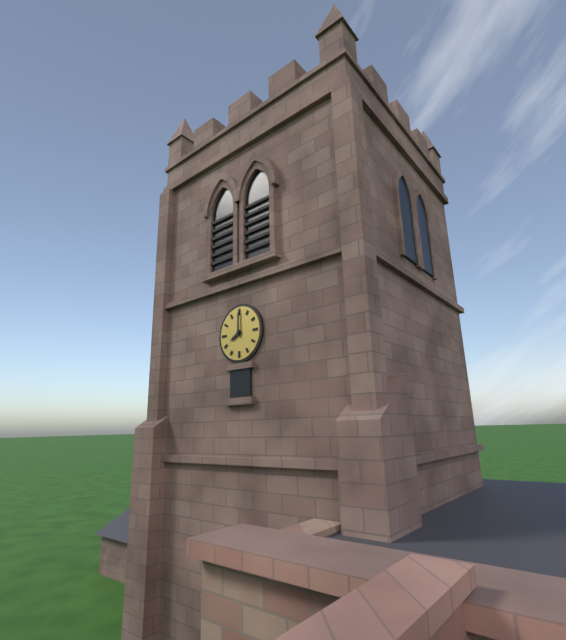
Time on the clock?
8:00
